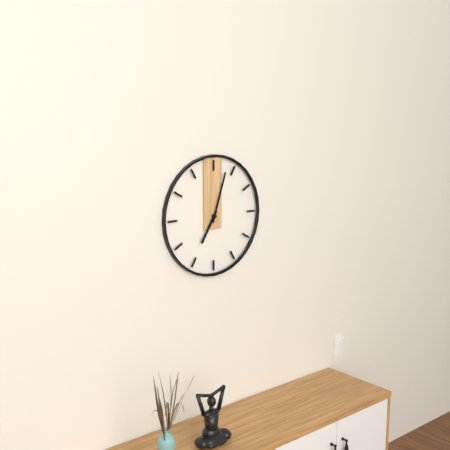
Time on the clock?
7:03
